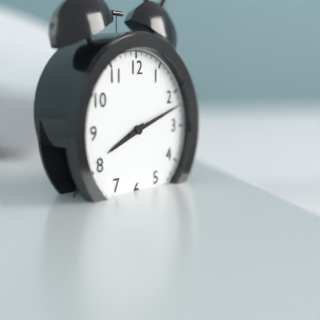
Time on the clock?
8:12
